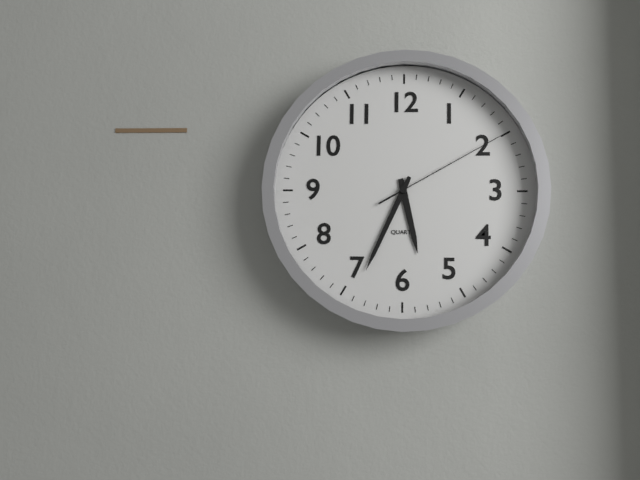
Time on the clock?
5:34:10
